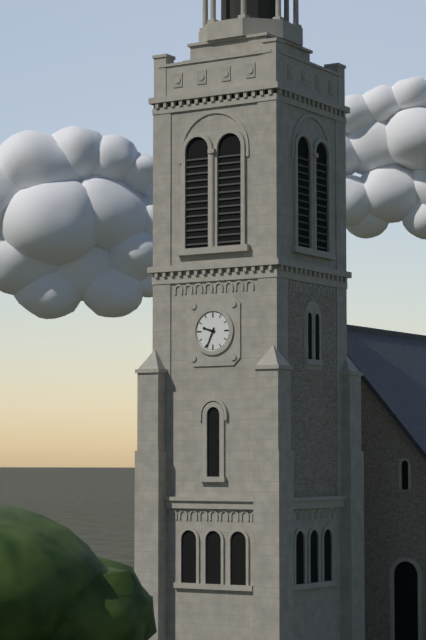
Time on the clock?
9:34
